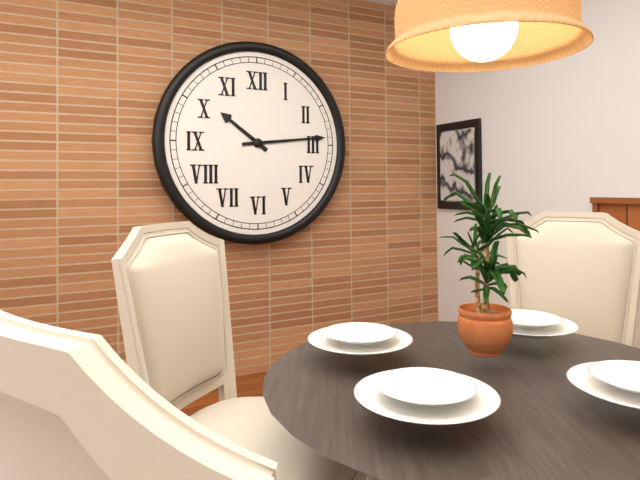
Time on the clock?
10:14
